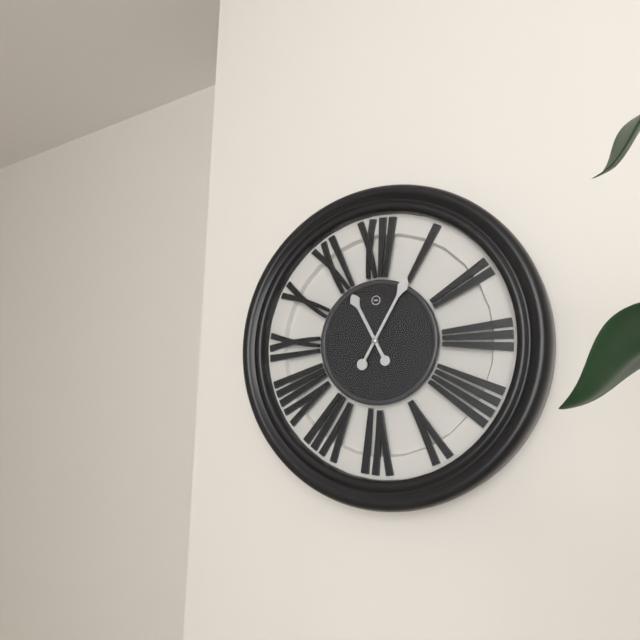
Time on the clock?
11:05
